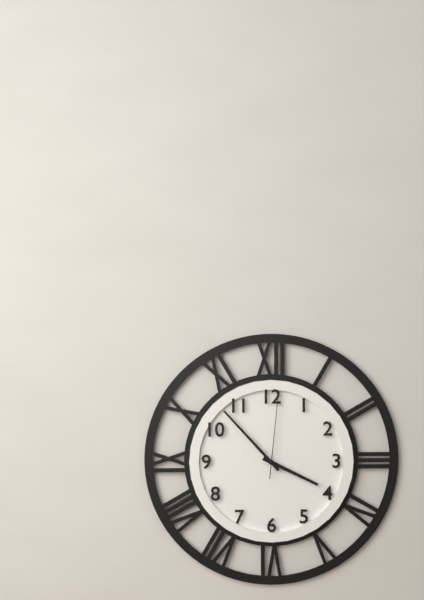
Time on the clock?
3:53:01
